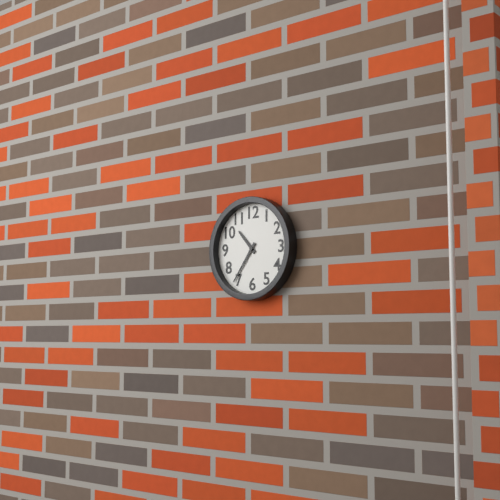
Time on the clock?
10:36
